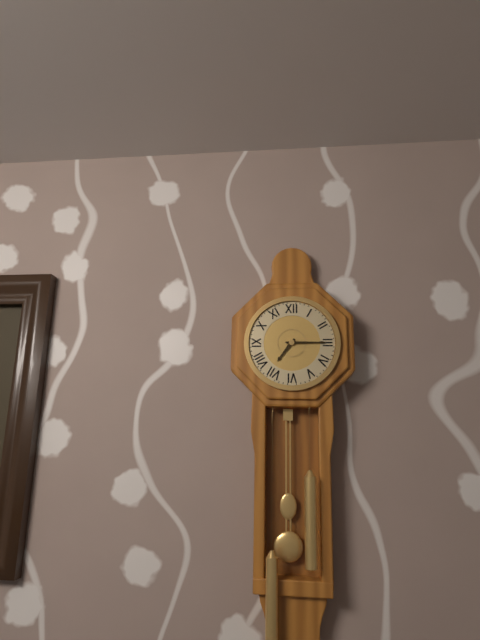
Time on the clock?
7:15
